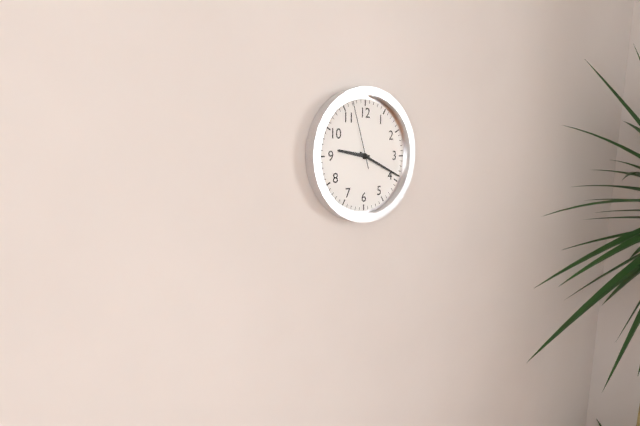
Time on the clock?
9:19:57
